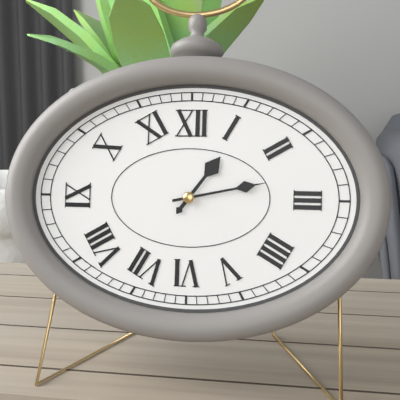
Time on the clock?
1:13
